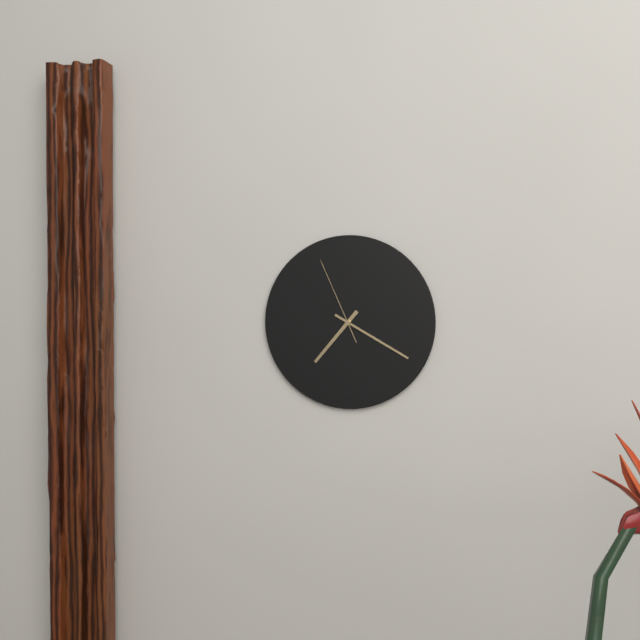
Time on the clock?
7:20:56
